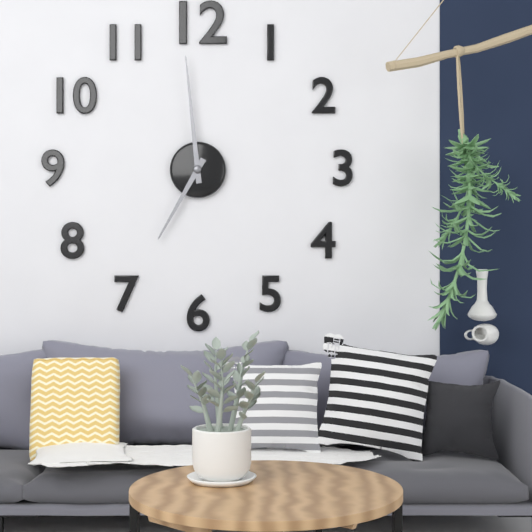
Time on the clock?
6:59
